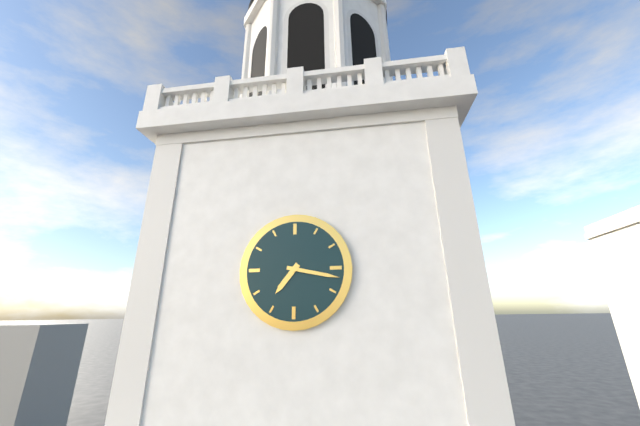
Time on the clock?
7:17
